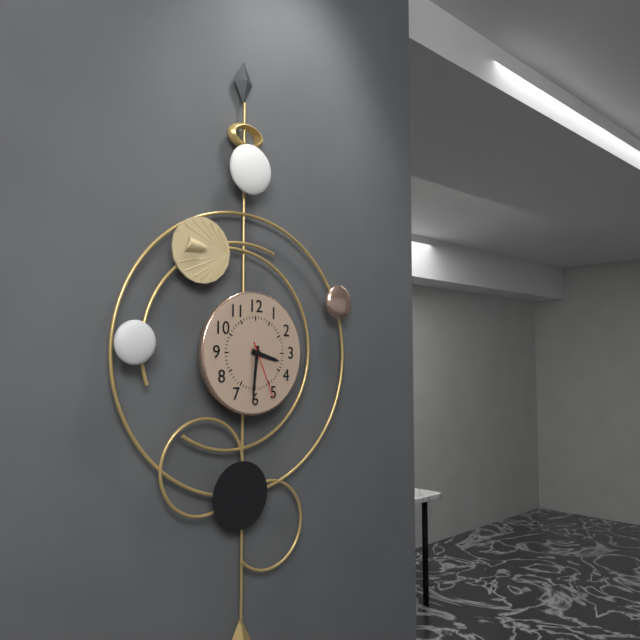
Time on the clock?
3:31:26
